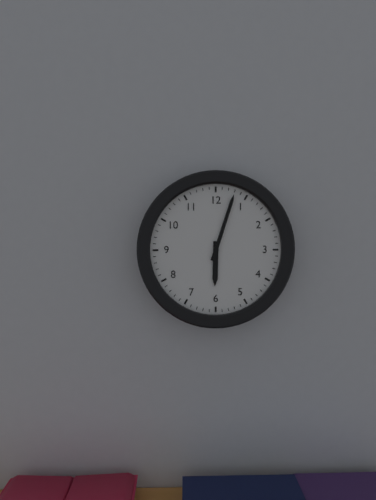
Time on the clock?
6:03
